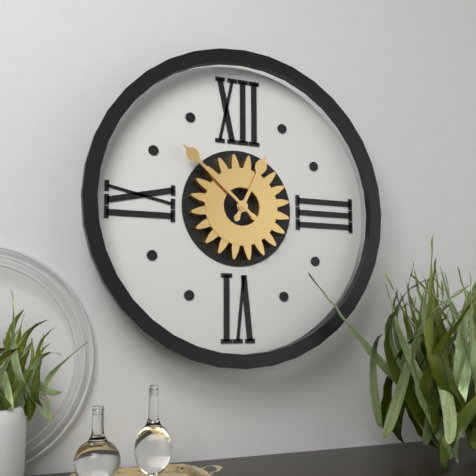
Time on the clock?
12:52
